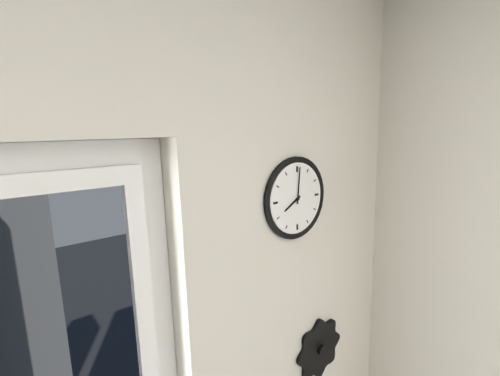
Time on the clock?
8:01
